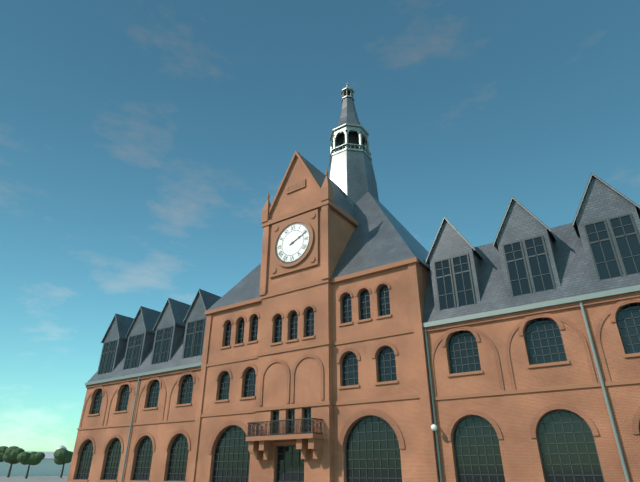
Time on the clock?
2:11
